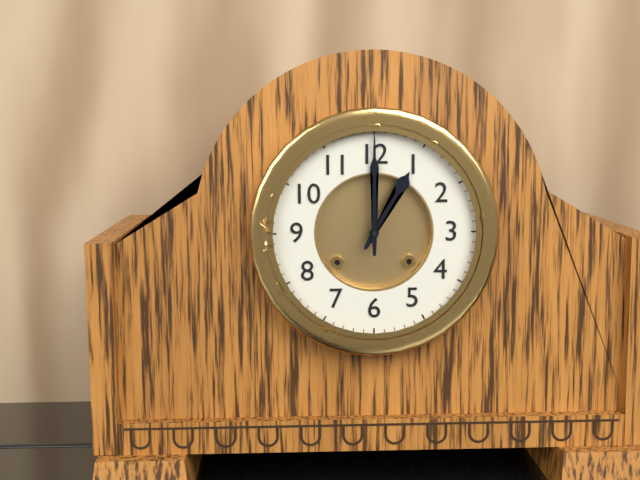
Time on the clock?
1:00
